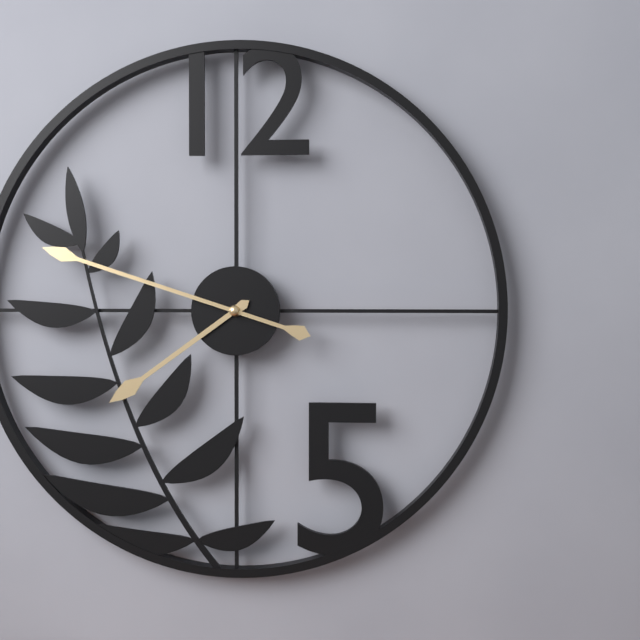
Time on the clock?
7:48
